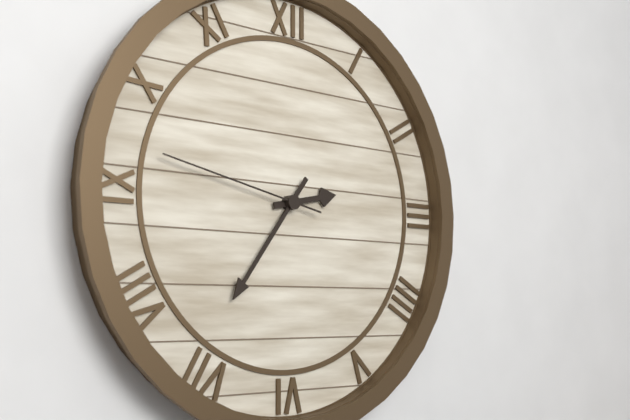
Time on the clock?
2:36:47
